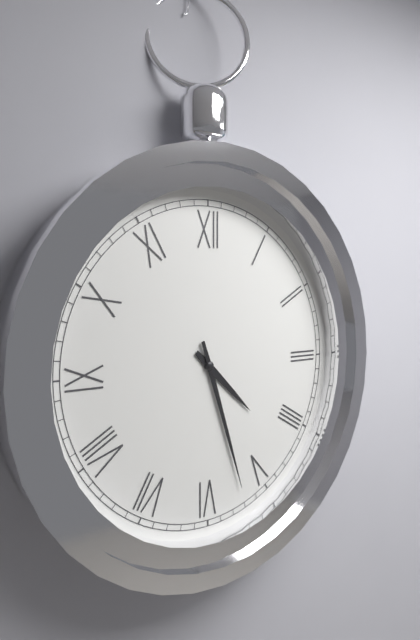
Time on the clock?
4:27
